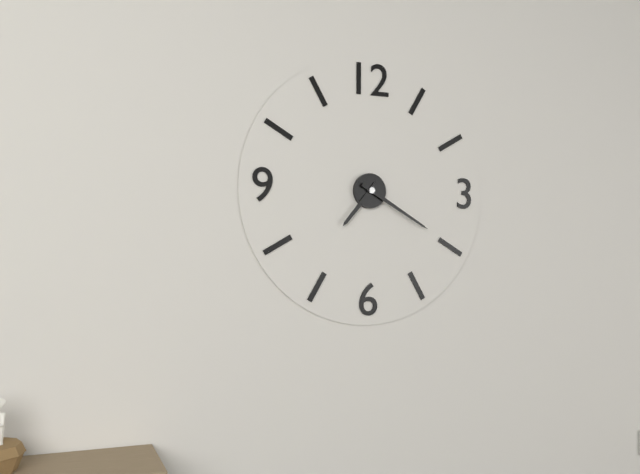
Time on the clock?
7:20
